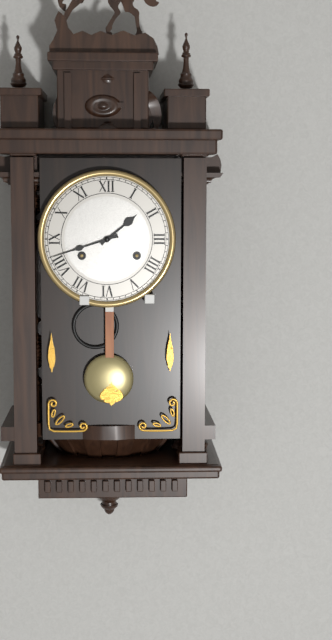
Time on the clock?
1:42
